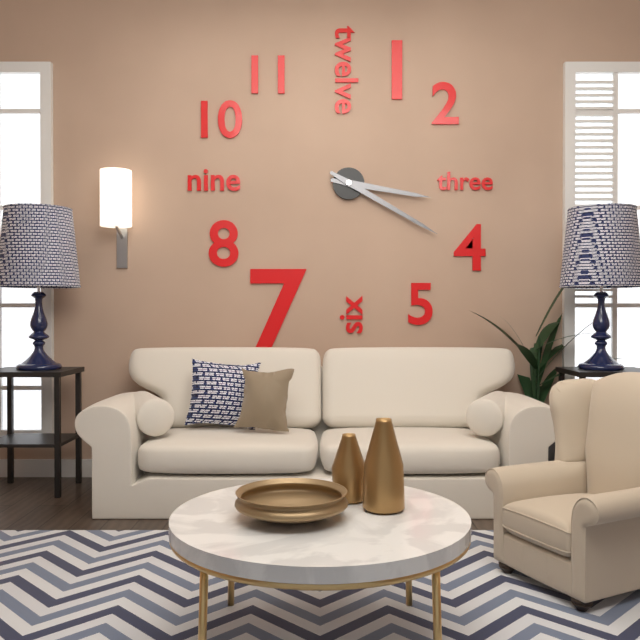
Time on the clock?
3:20
